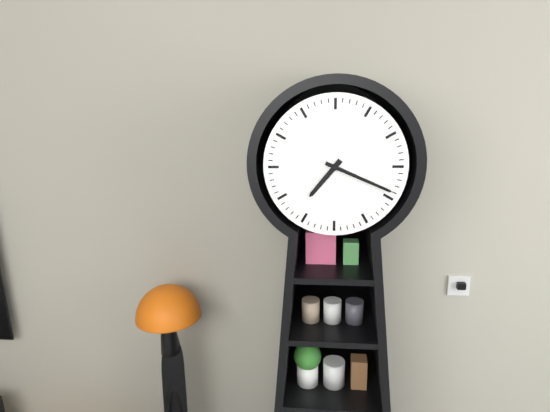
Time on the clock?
7:19
